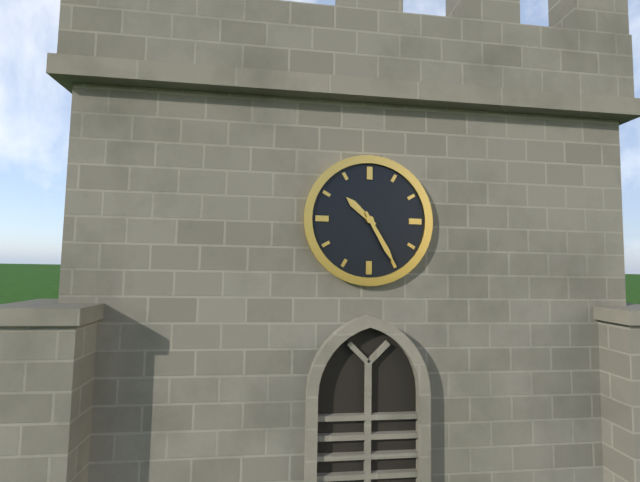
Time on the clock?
10:25
